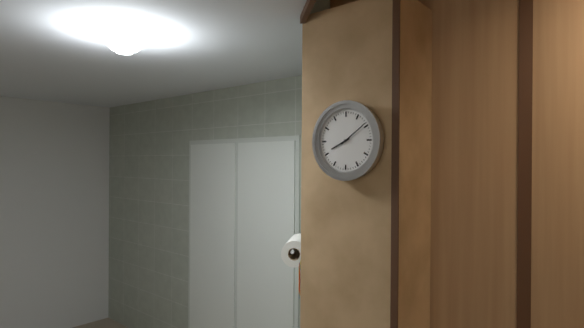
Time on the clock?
8:09
